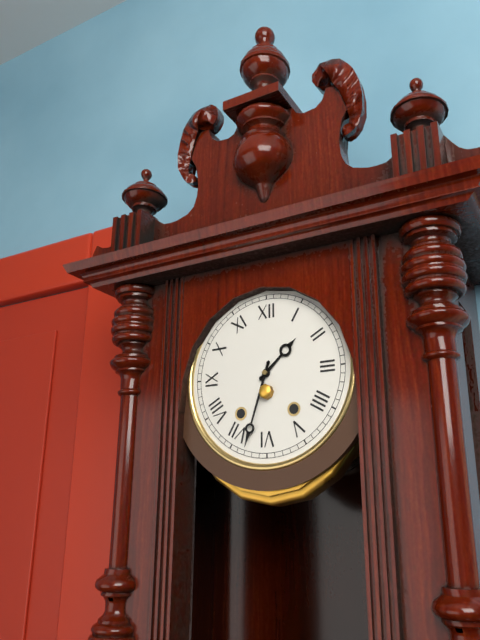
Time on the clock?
1:33
